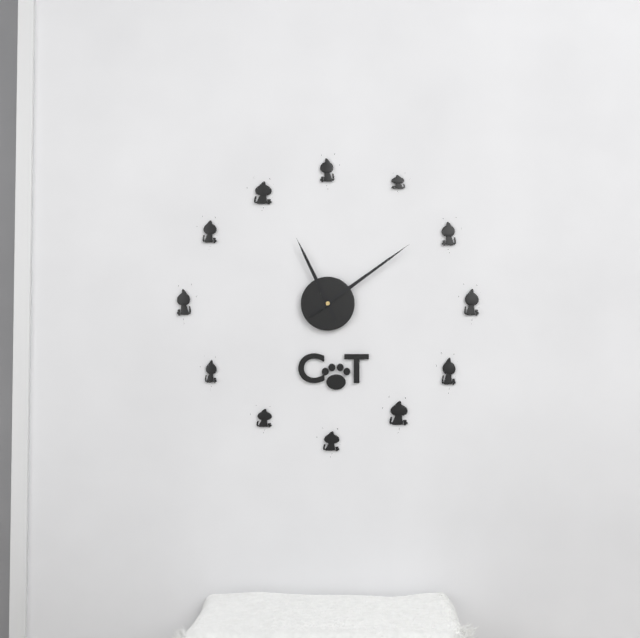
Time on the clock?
11:09
